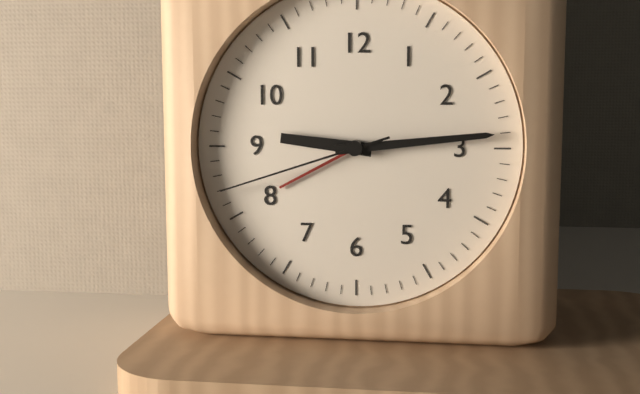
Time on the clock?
9:14:42
